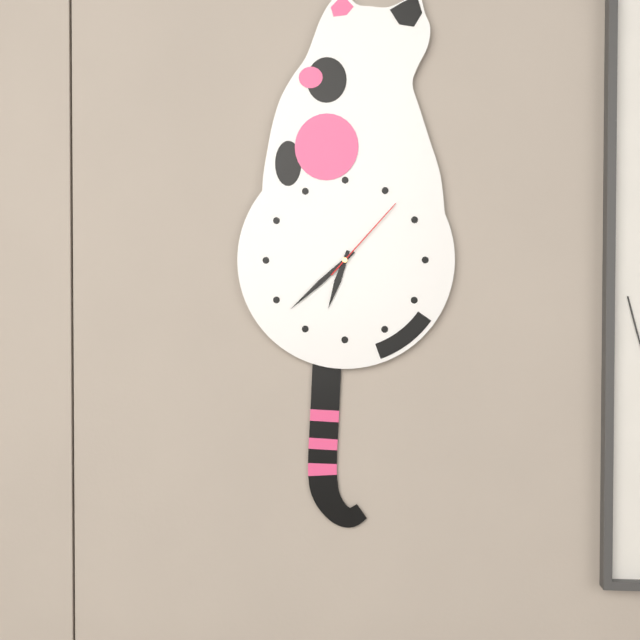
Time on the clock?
6:38:07
